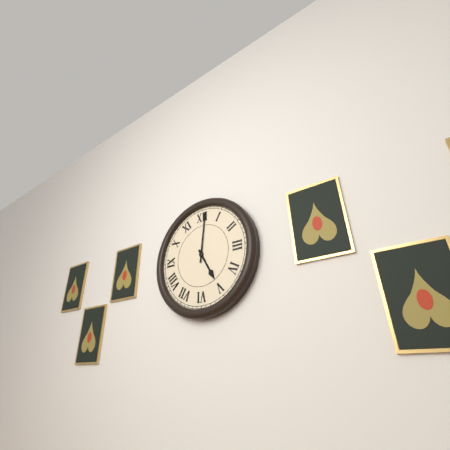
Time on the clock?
5:01
